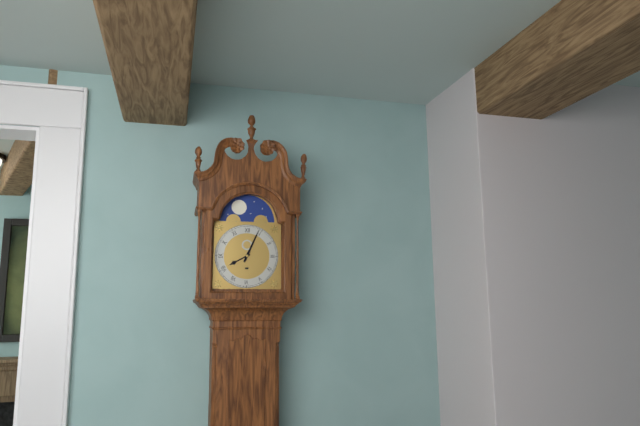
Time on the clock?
8:04
